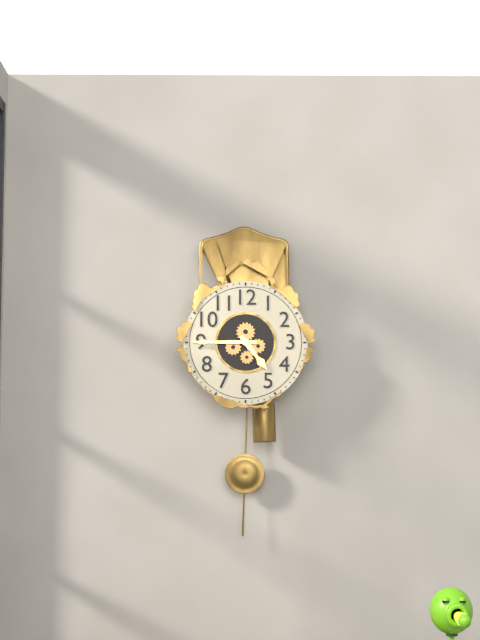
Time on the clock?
4:45
